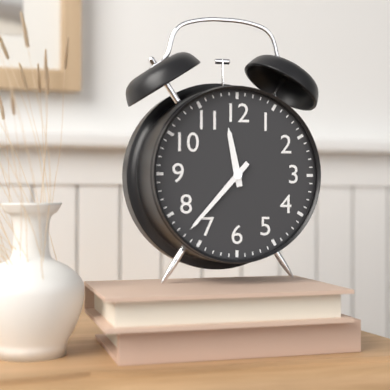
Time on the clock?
11:37
